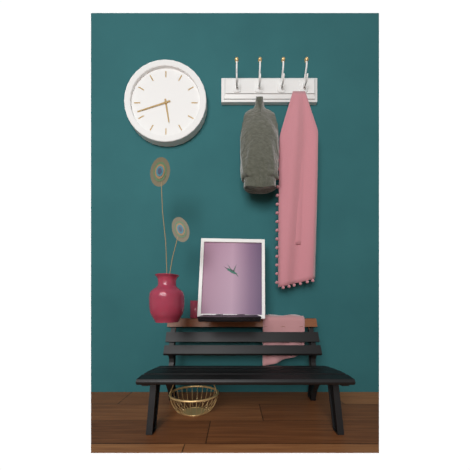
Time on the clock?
5:42
